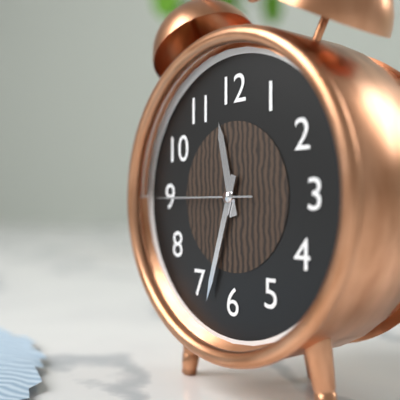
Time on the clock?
11:33:45
